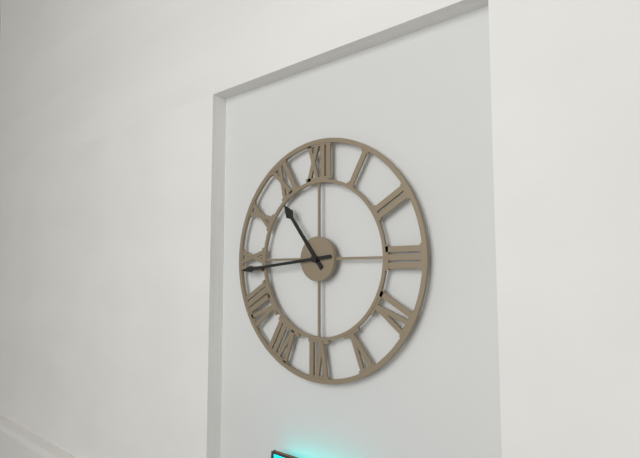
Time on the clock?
10:44
